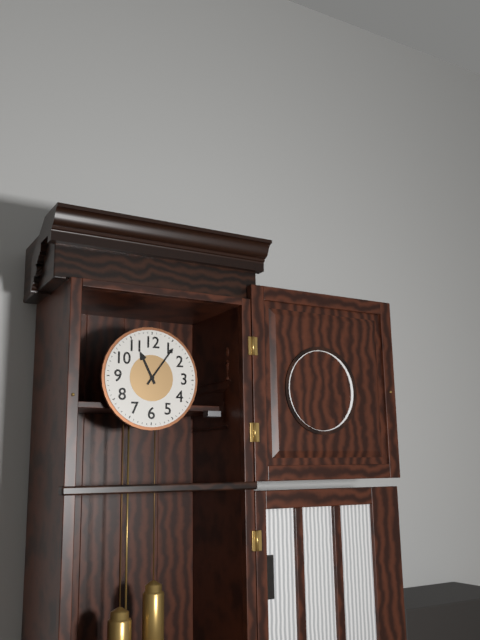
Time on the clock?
11:06
